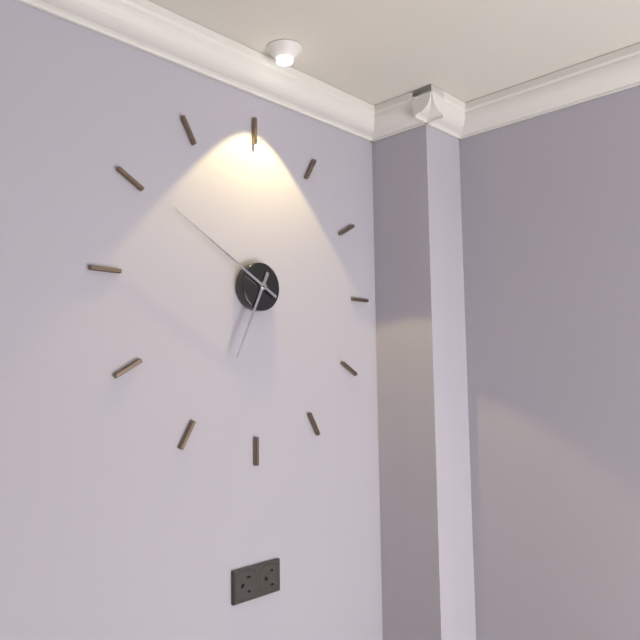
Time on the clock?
6:50
